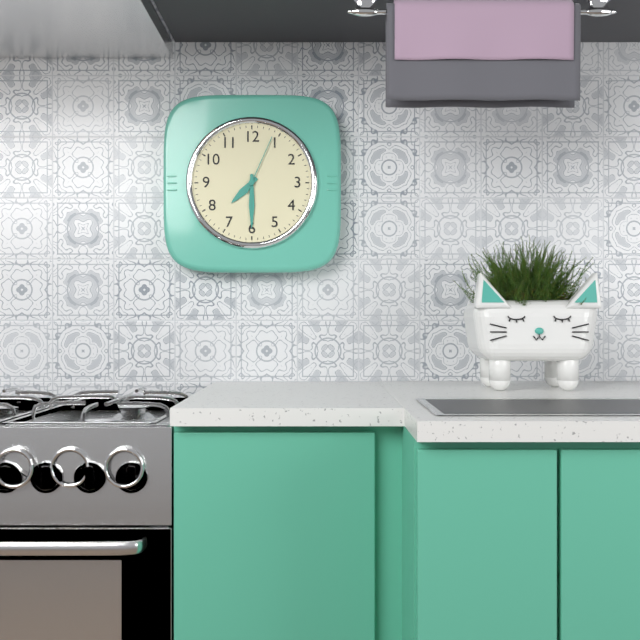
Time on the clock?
7:30:04
